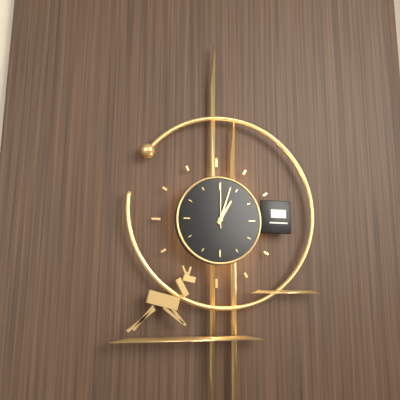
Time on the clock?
1:03
